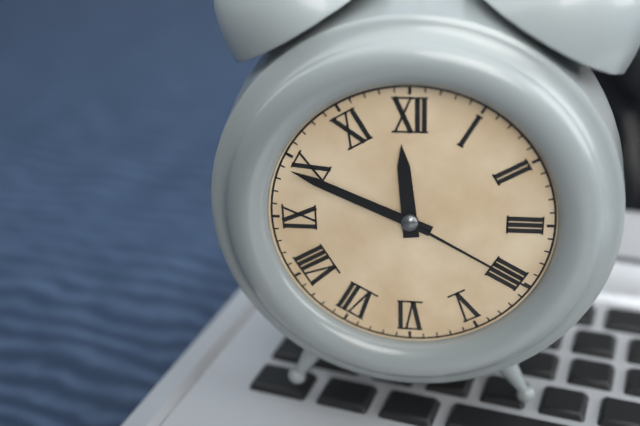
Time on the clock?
11:49:20
